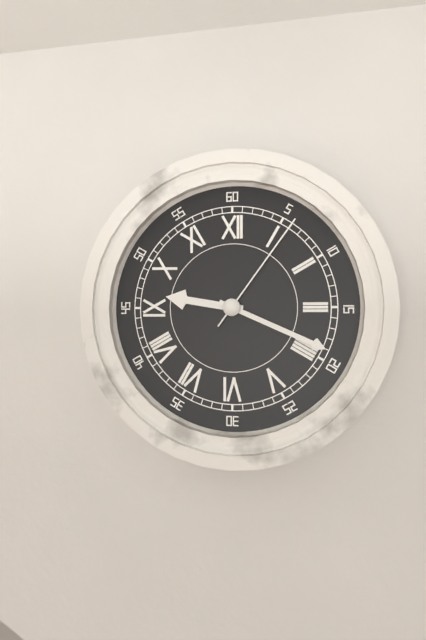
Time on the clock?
9:19:06
